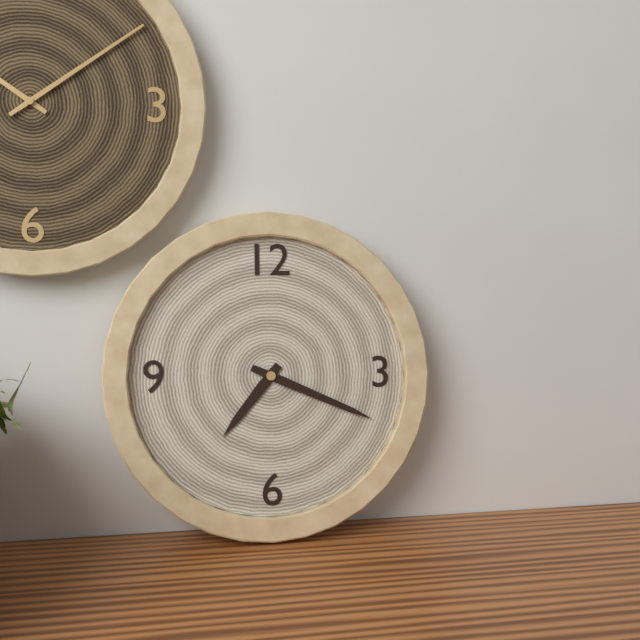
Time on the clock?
7:19
